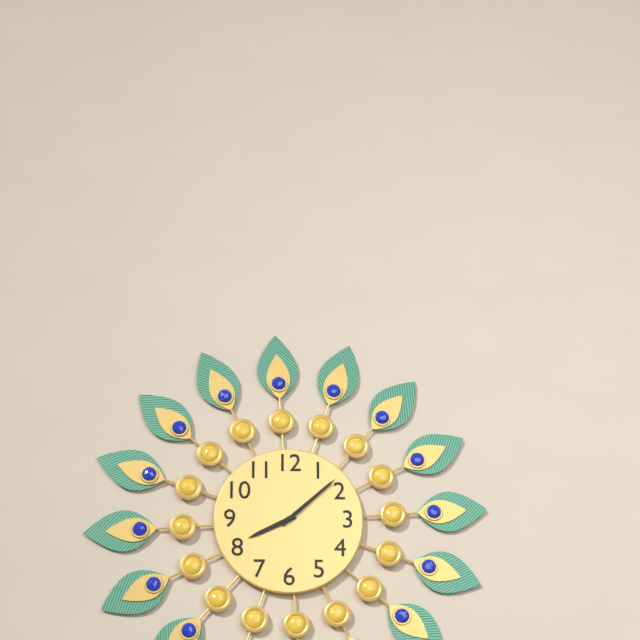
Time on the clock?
8:08
